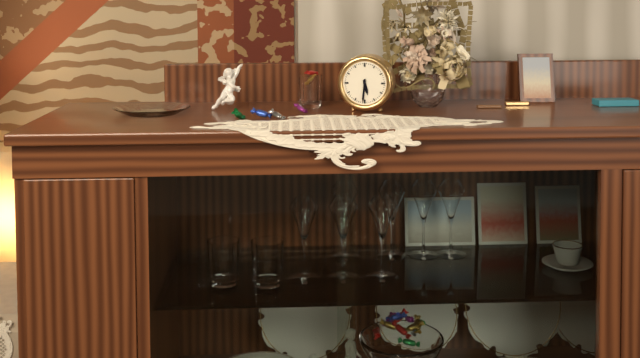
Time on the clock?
5:31
